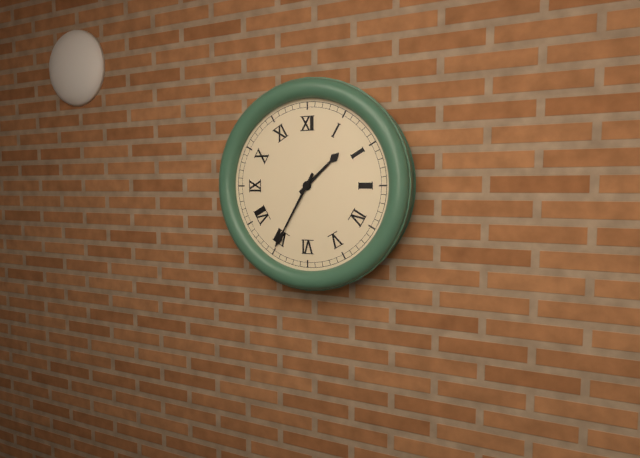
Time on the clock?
1:35
